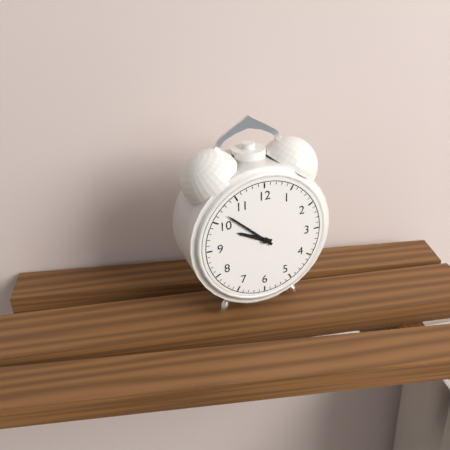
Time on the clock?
9:52
